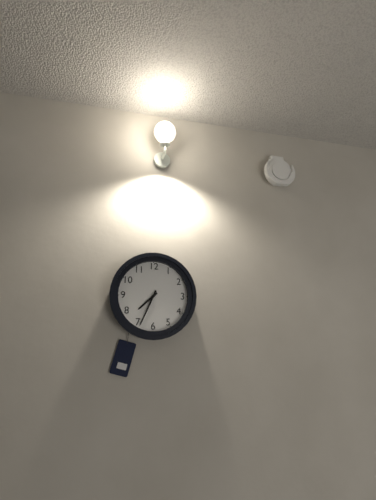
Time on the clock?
7:34
